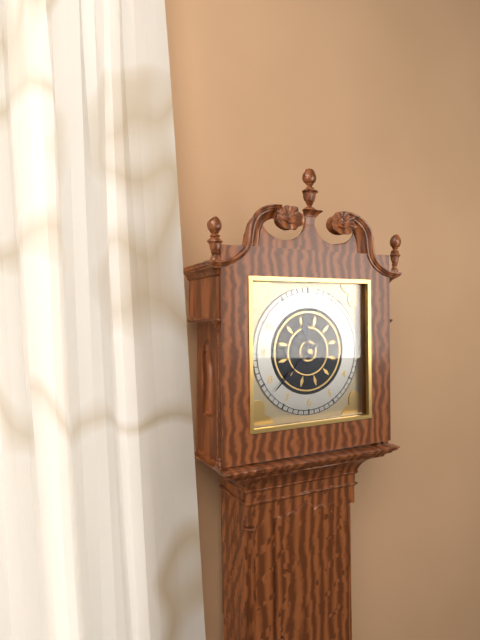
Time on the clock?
11:38
